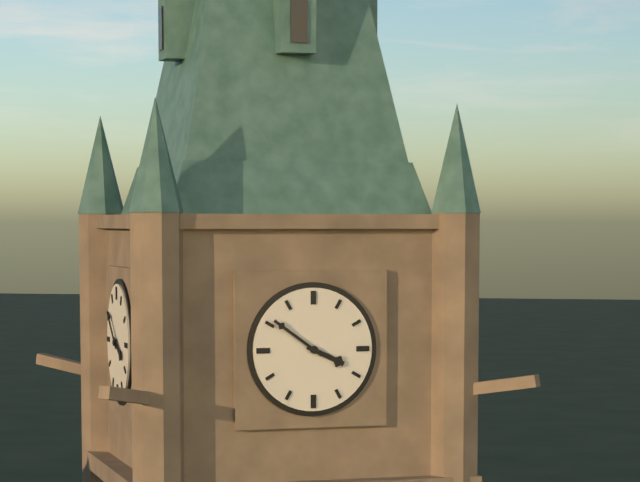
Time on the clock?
3:51
